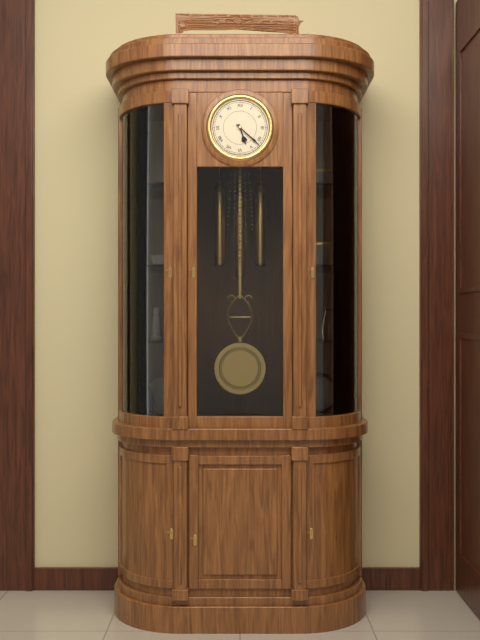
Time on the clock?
5:22
